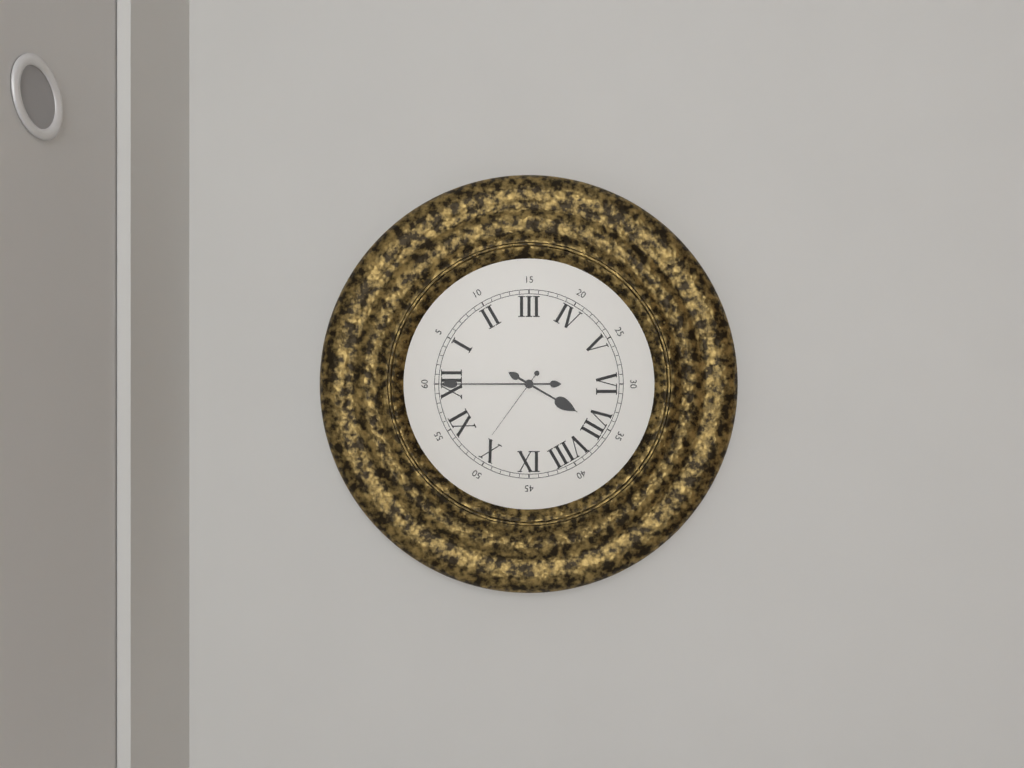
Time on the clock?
7:00:51
